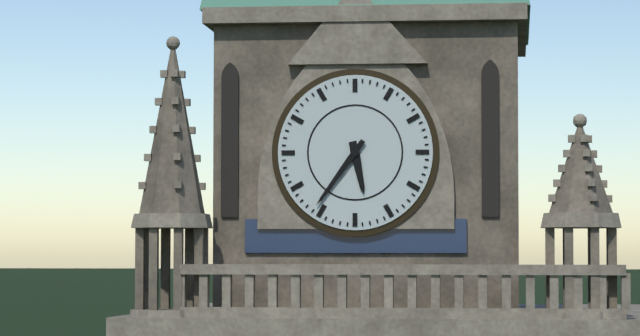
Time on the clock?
5:36
